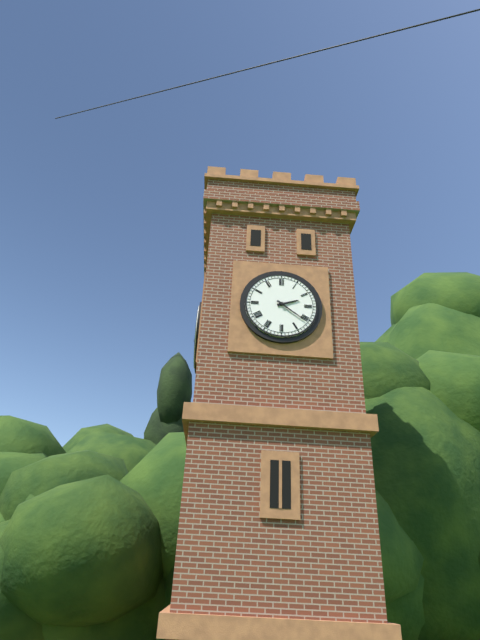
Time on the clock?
2:21
